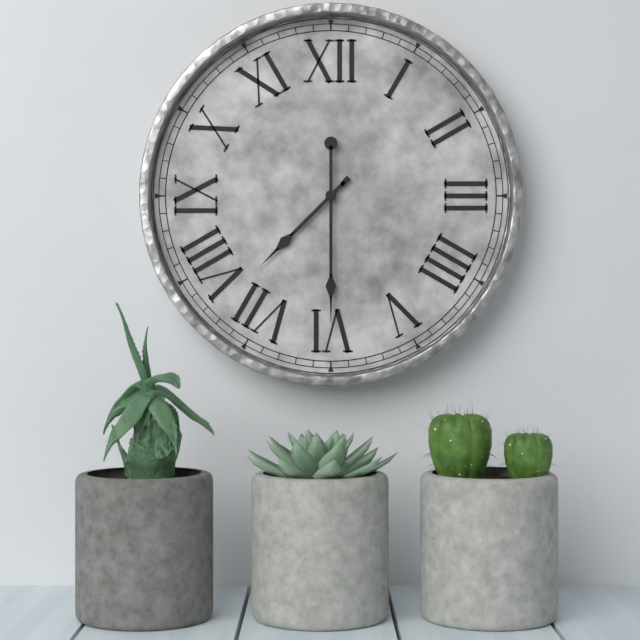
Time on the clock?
7:30
